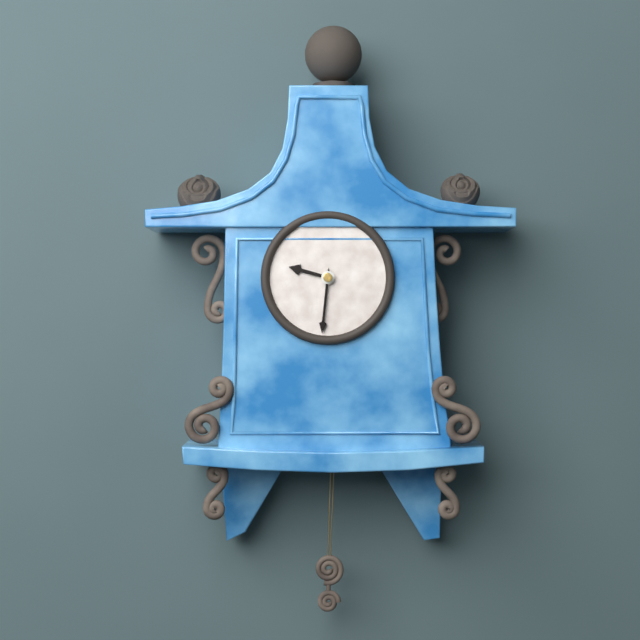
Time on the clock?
9:31
